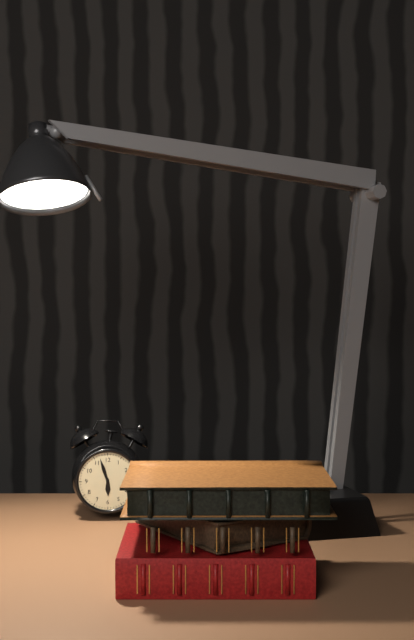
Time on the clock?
5:57
